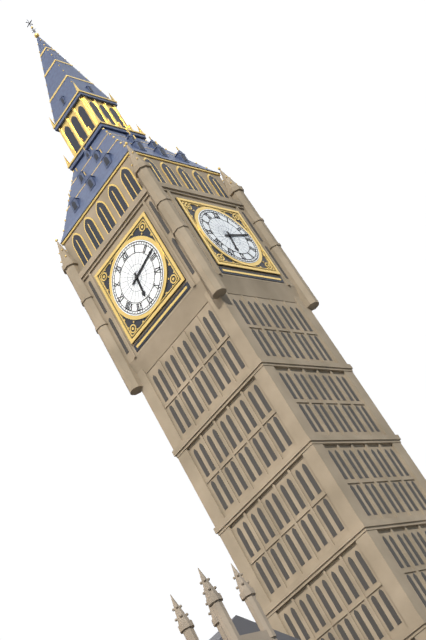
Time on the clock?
6:13
